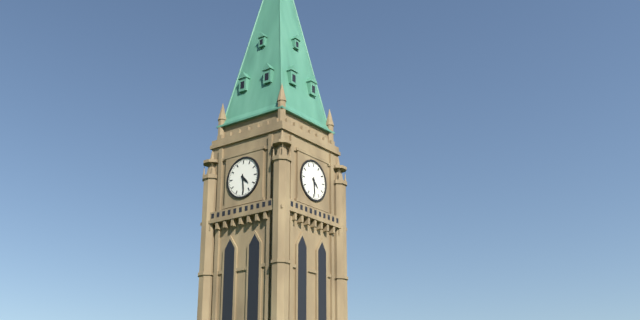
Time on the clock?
4:29
